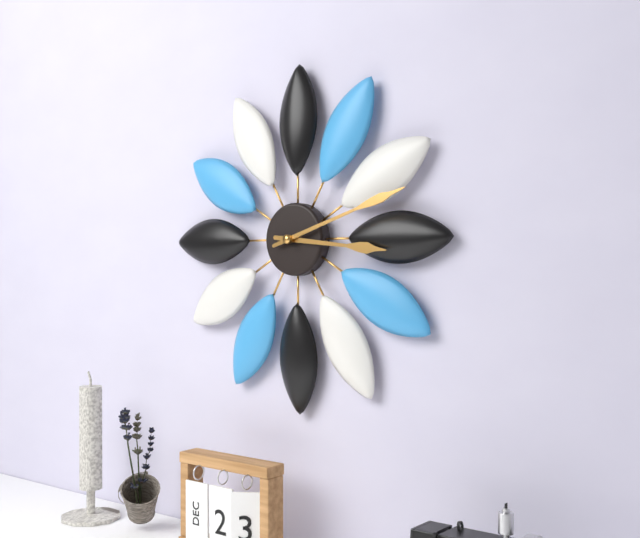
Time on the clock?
3:12
